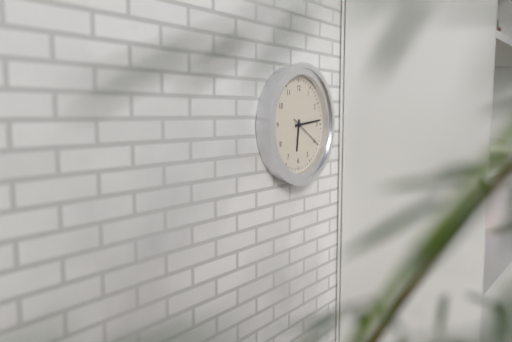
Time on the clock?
6:14
